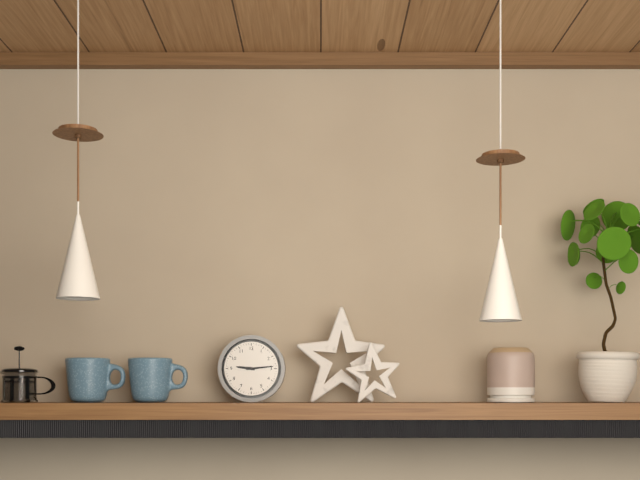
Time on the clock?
9:14
